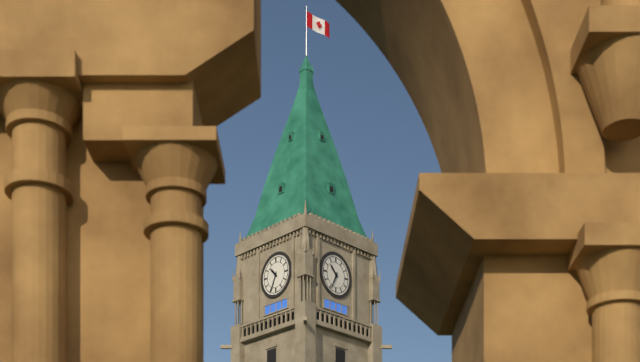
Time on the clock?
10:34
